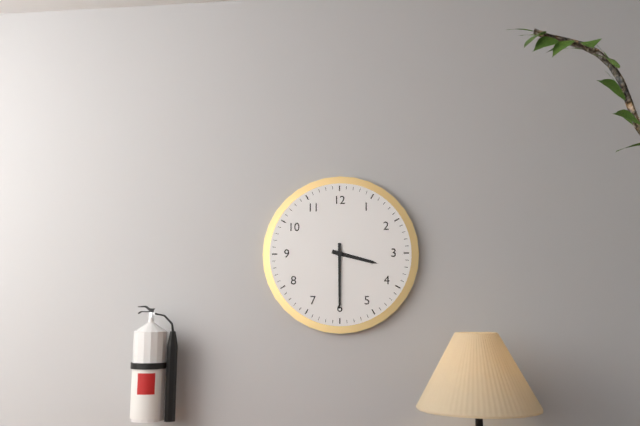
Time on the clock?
3:30
